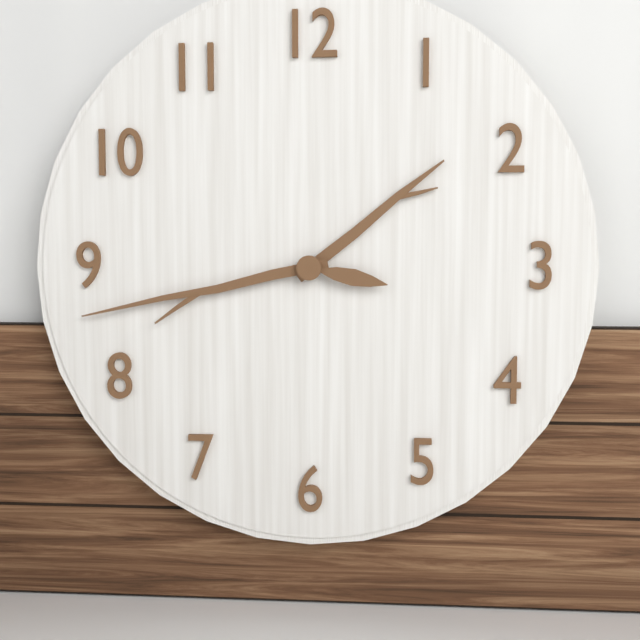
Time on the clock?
1:43:17
